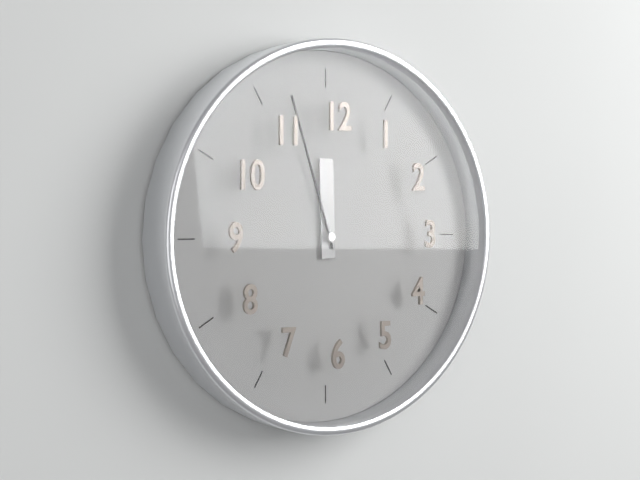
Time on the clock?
11:57
